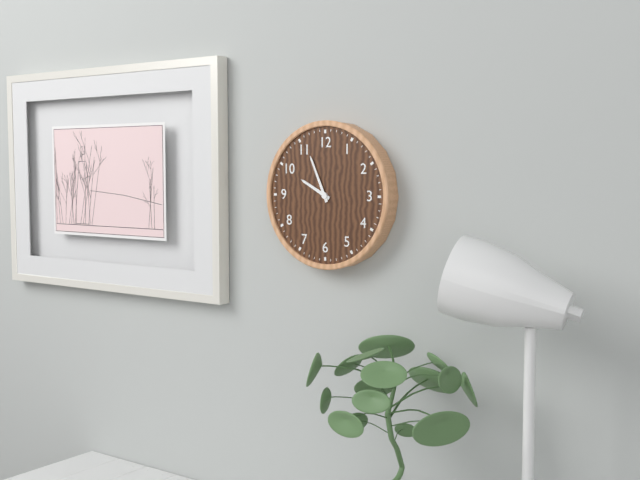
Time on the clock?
9:56
